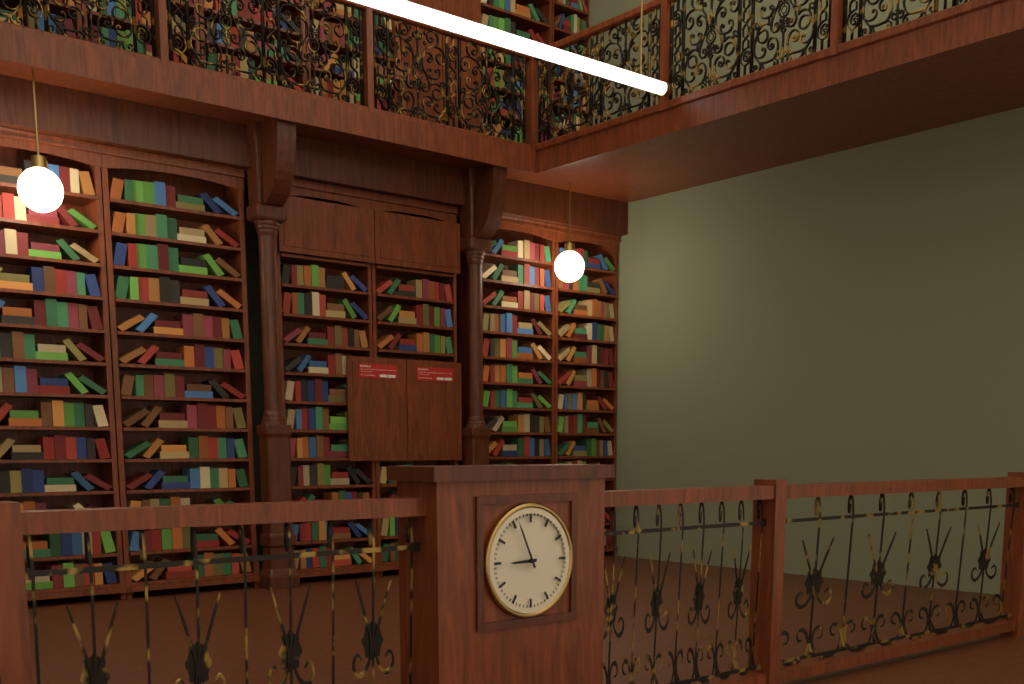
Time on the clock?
8:56
